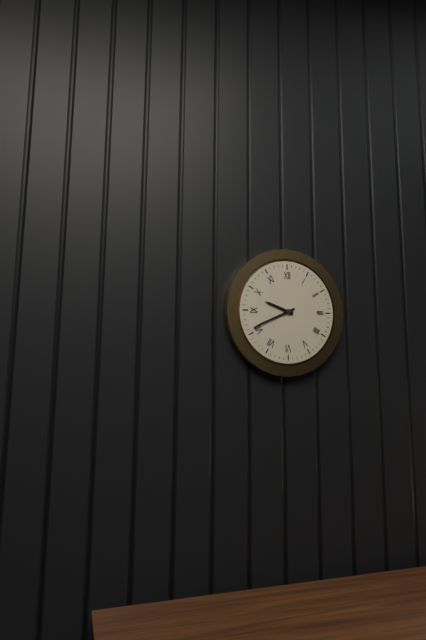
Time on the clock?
9:41
